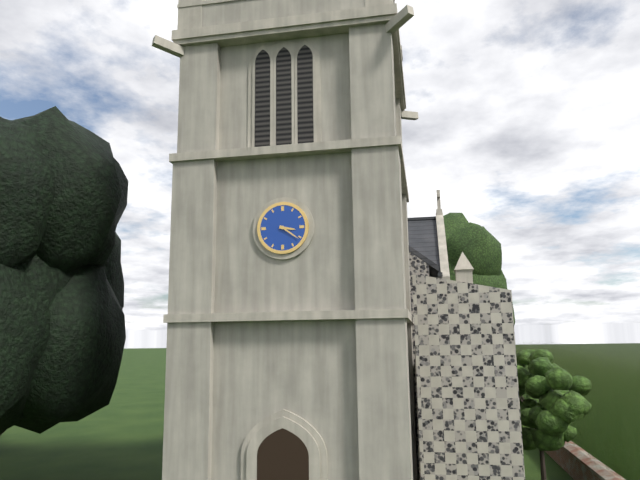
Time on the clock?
3:21
